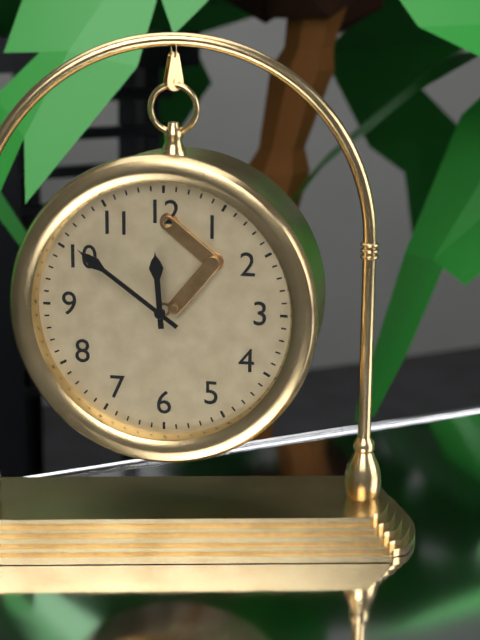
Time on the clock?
11:51
